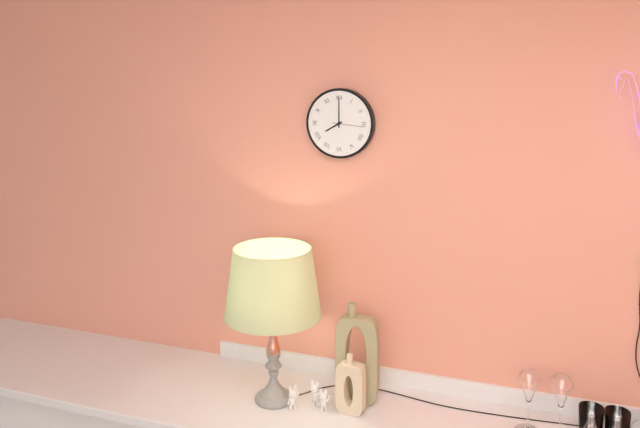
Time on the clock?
8:00
